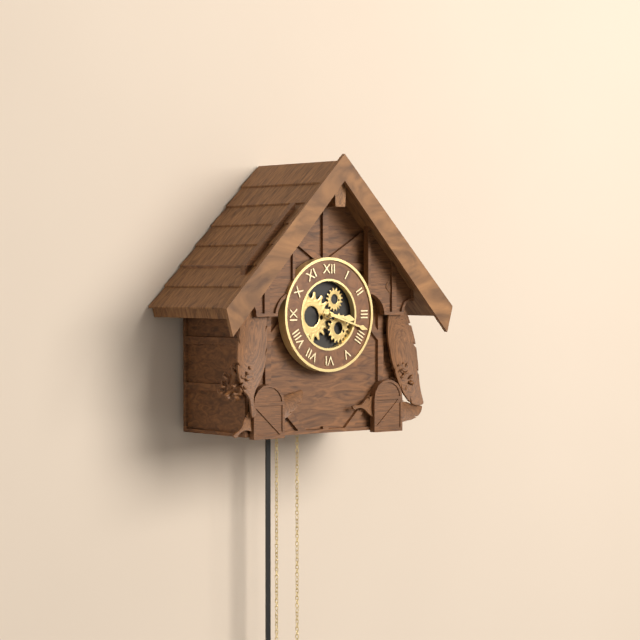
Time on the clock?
3:18
